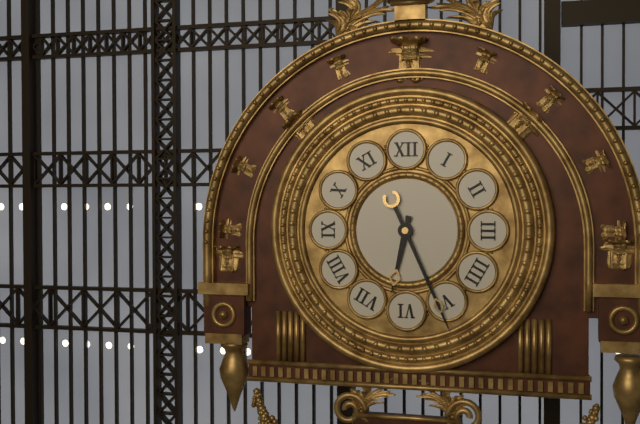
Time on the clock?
6:26
